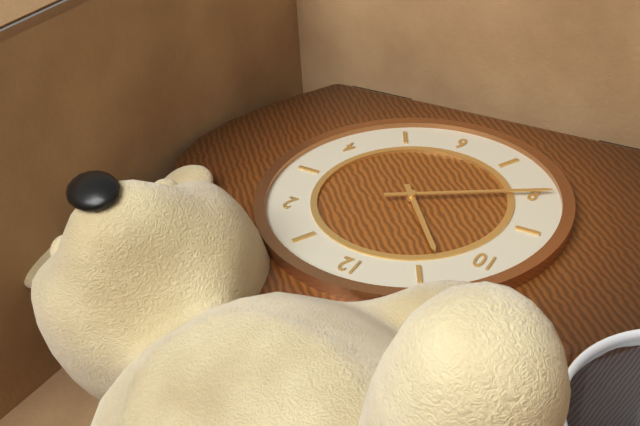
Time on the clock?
10:40
